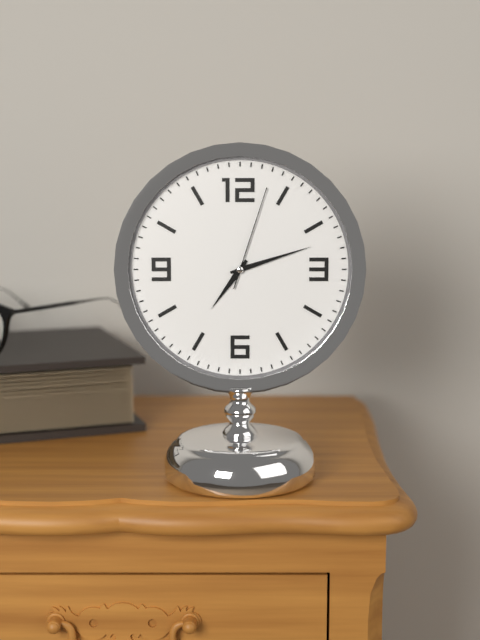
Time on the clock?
7:12:03
